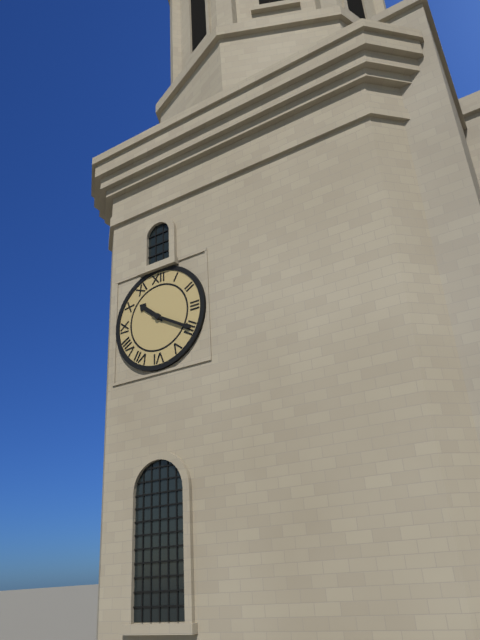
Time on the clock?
10:20
